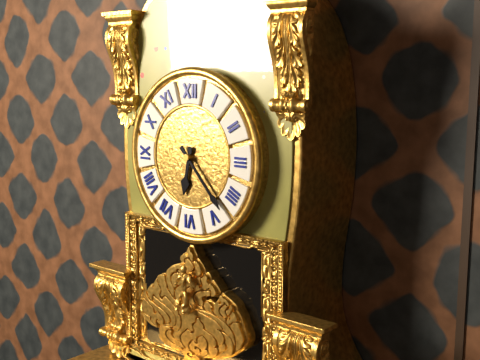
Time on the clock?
6:23
